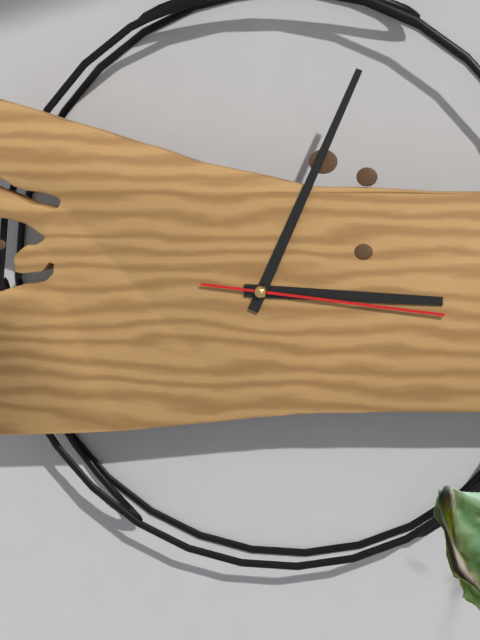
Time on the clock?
3:04:16
